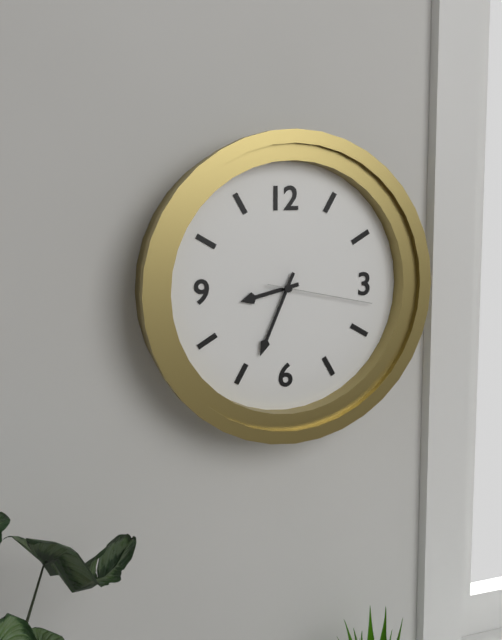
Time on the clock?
8:34:17
